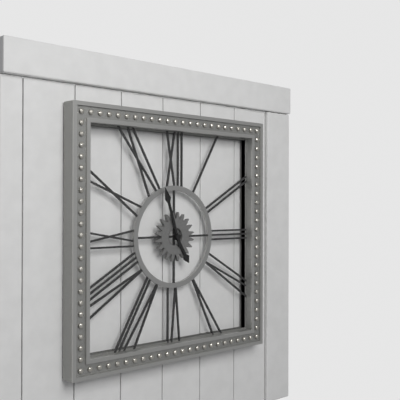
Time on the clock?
4:57
